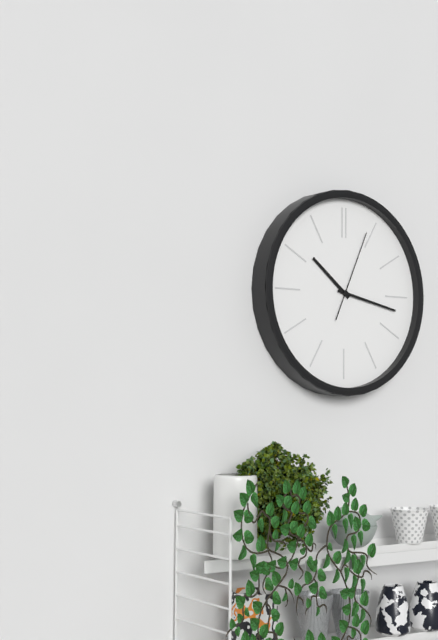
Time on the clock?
10:17:04
